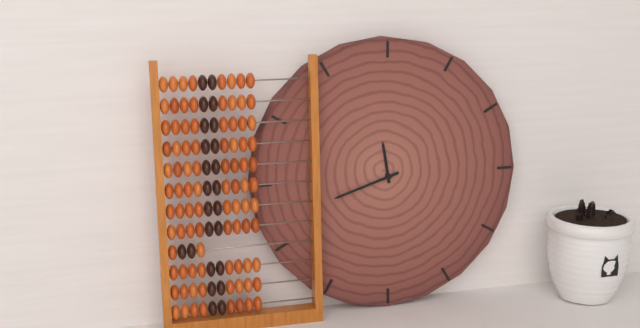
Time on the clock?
11:42
